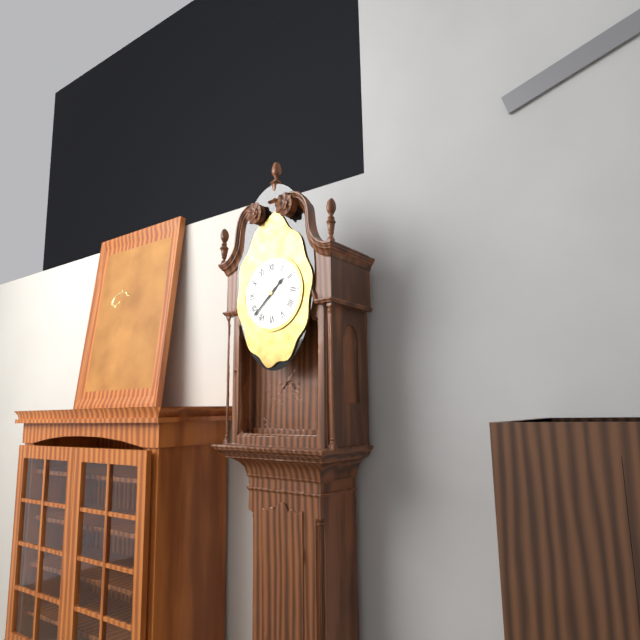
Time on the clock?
1:38
